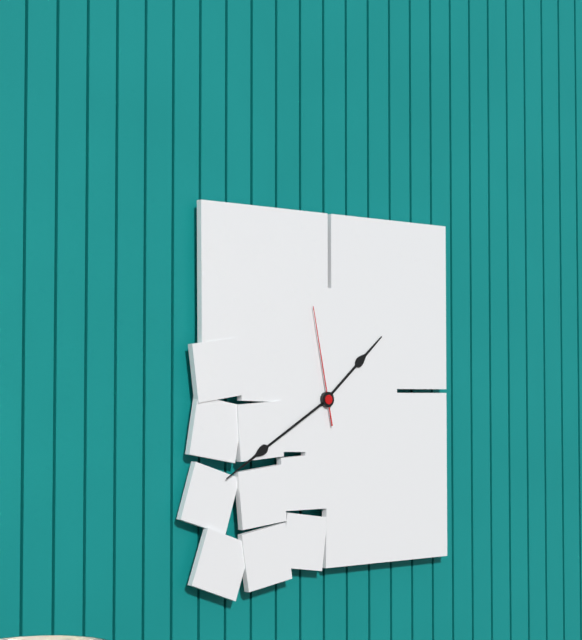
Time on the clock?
1:40:58
